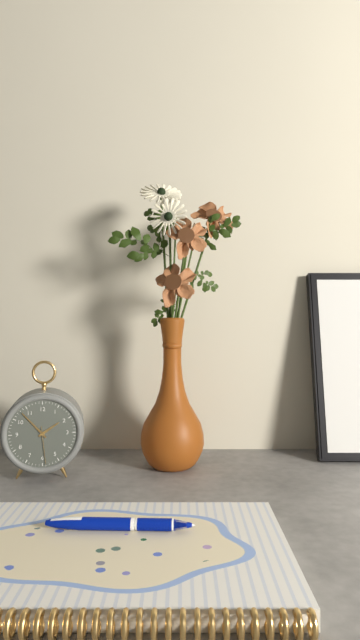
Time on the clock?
1:53
